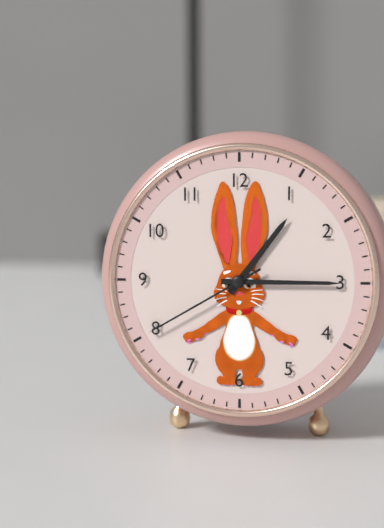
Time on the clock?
1:15:40
